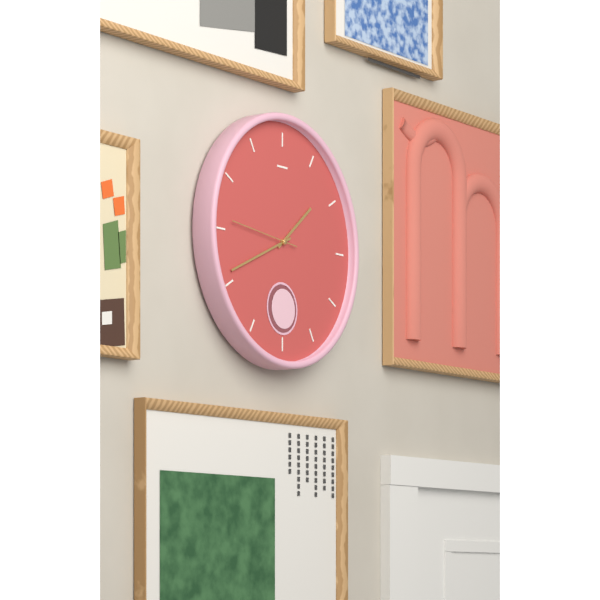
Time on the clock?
1:41:46
